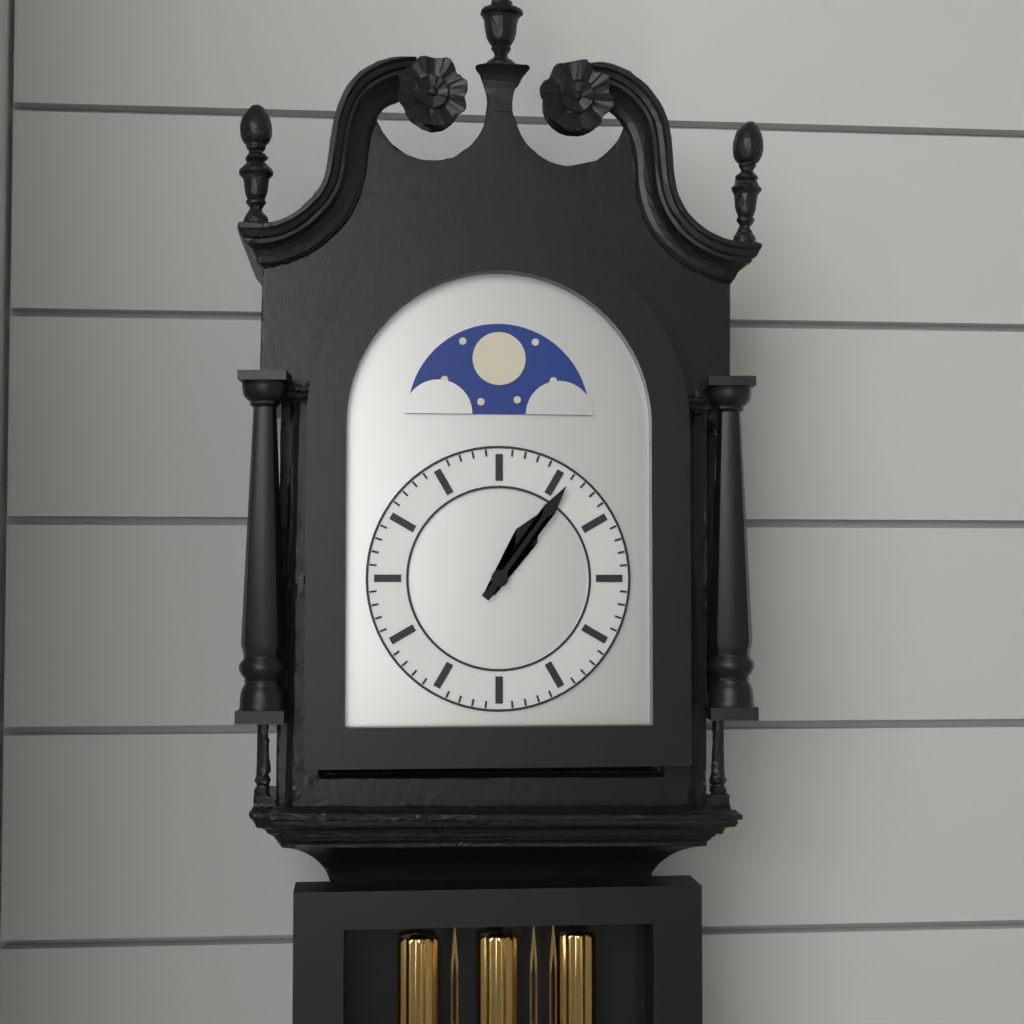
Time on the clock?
1:06
